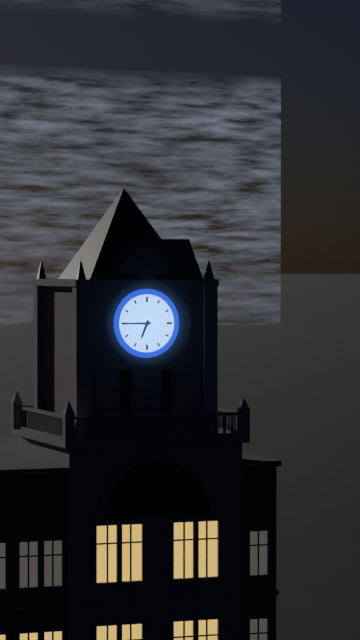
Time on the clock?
6:45
